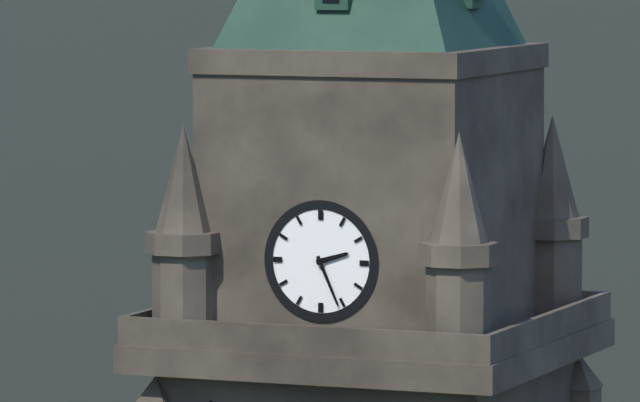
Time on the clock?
2:26
